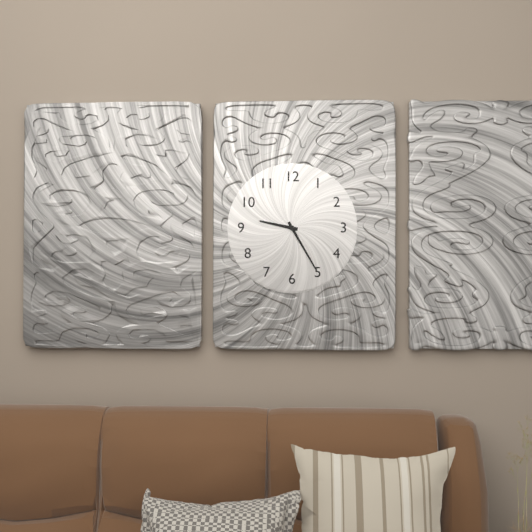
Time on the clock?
9:25
